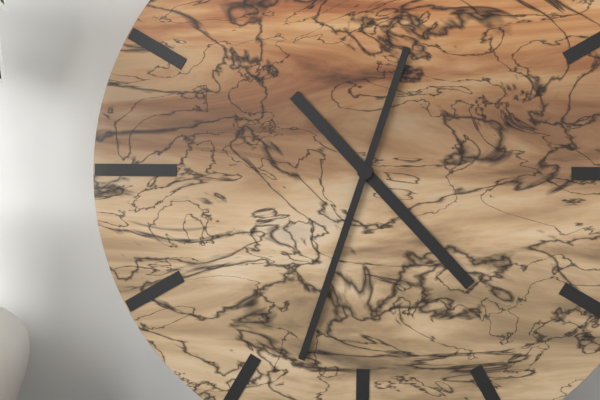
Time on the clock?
4:33
